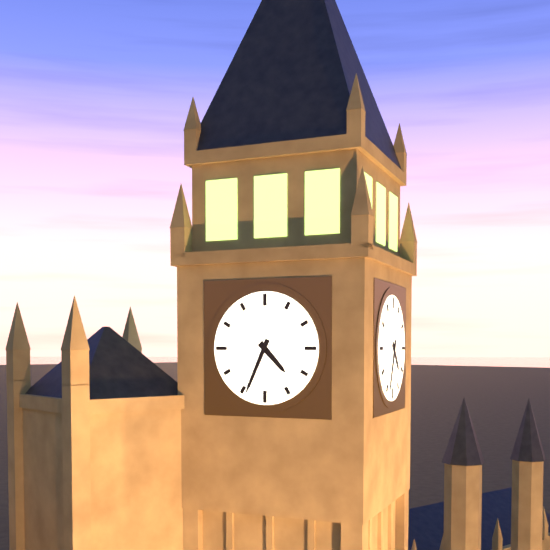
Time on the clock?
4:34
